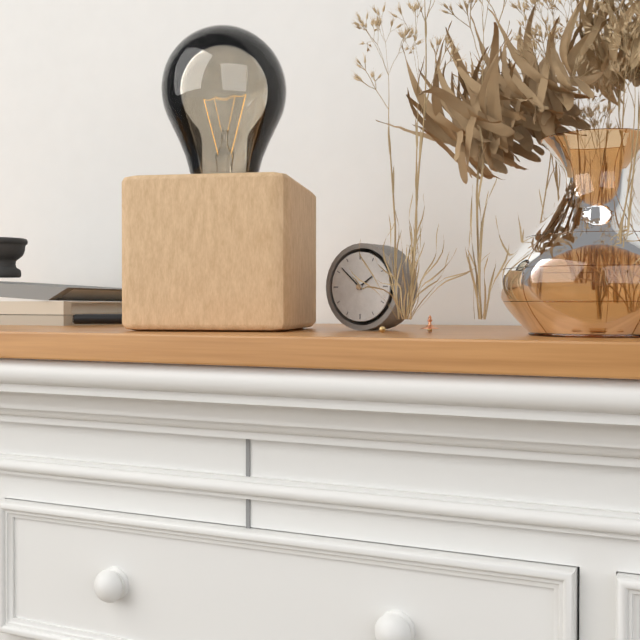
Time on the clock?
1:52
